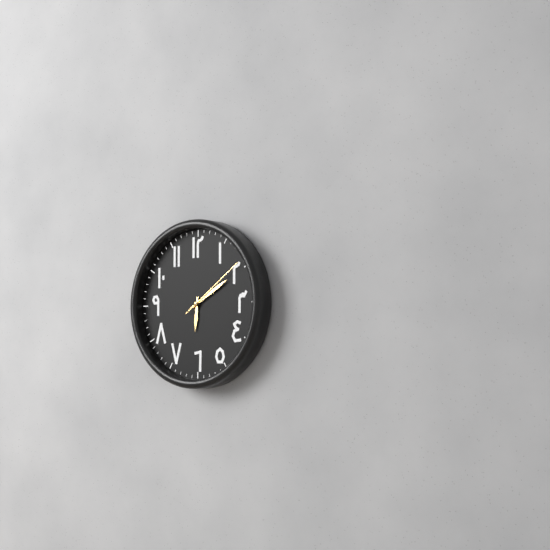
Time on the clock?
6:10:09
